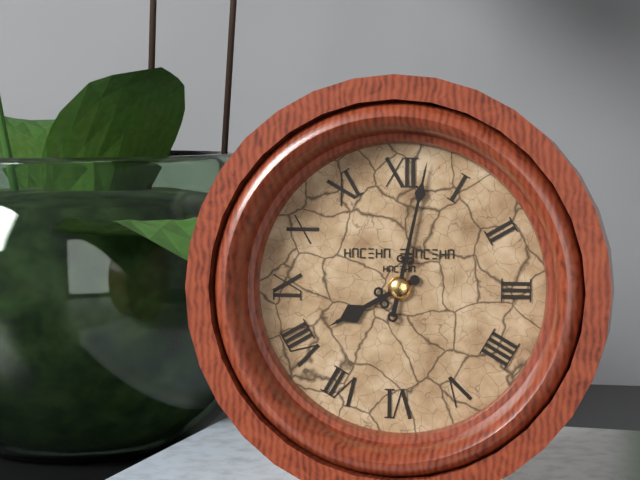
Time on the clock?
8:02
